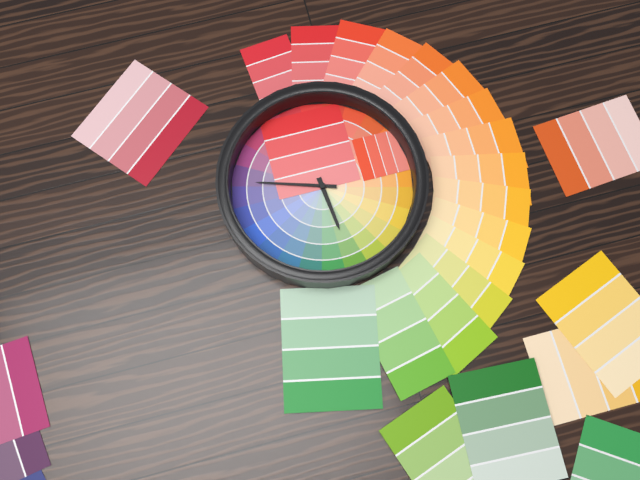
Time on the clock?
5:48
